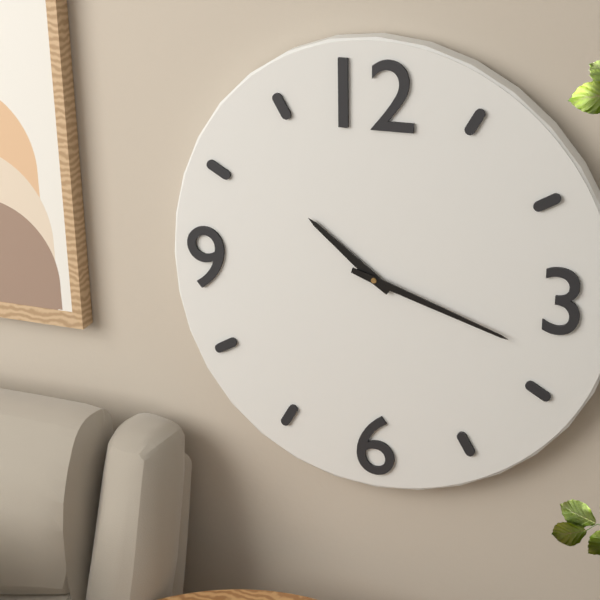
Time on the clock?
10:18
